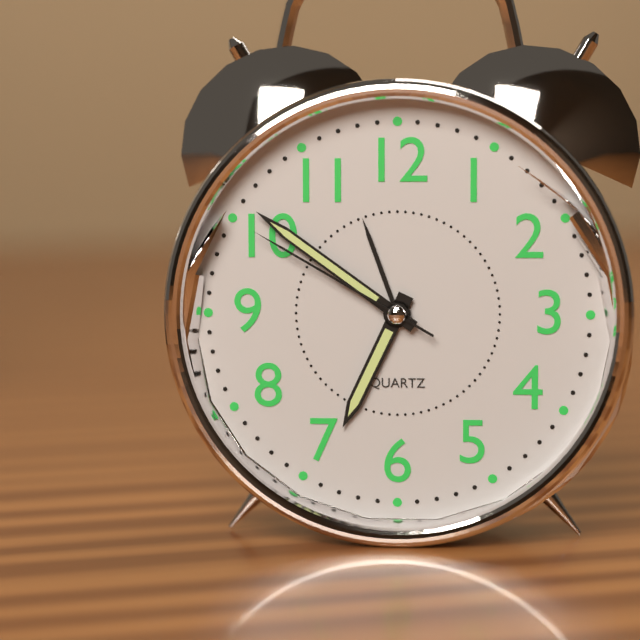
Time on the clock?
6:51:50
